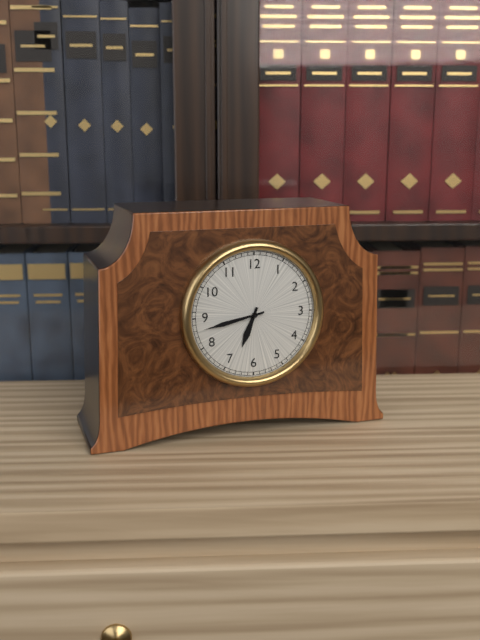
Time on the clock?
6:43
